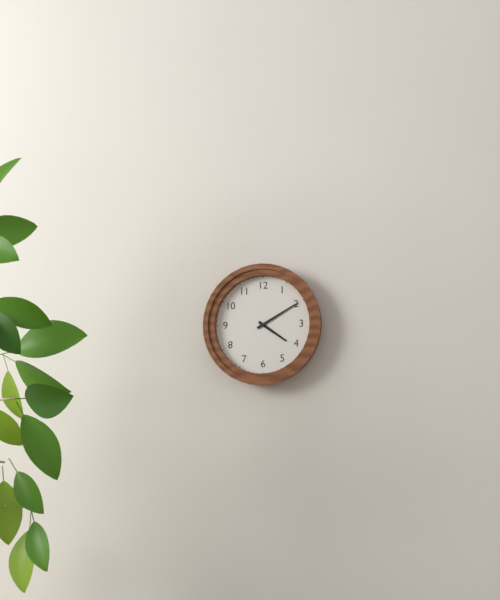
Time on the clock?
4:10
